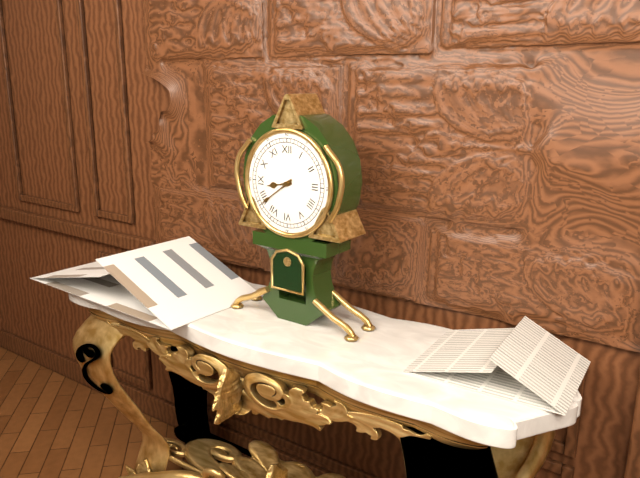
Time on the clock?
8:39
